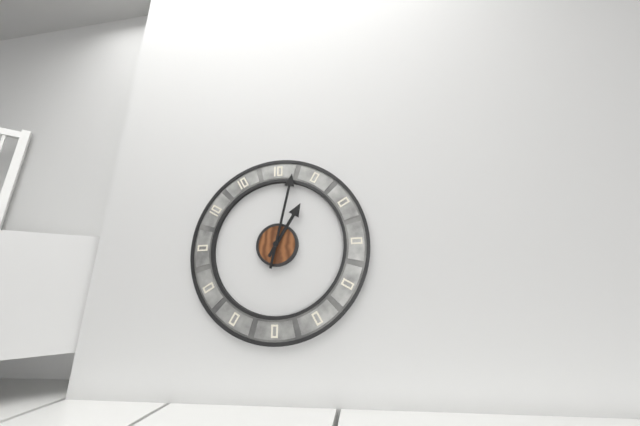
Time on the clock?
1:02
